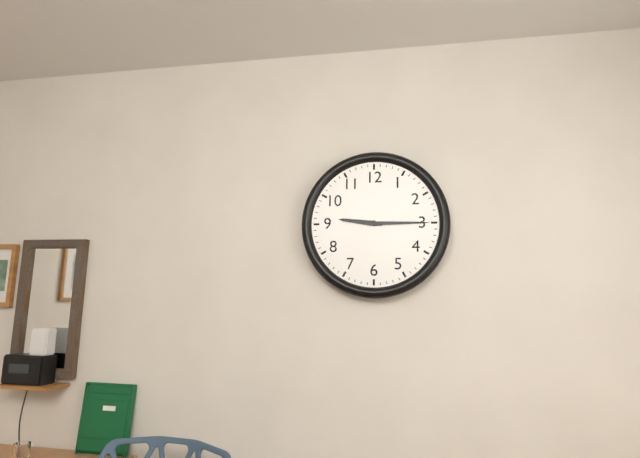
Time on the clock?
9:15
